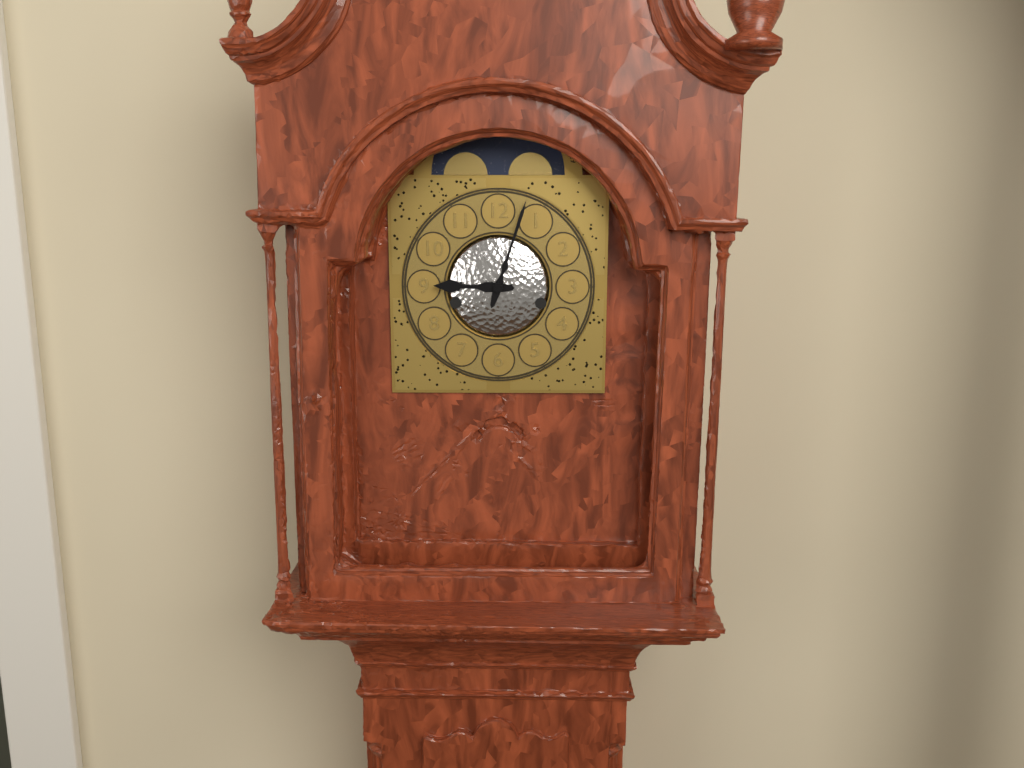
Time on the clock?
9:03
